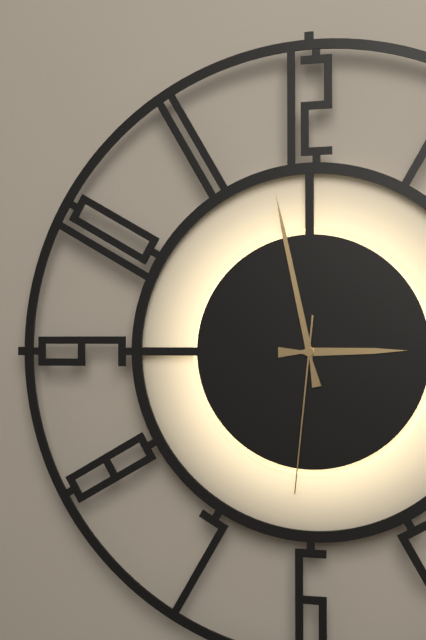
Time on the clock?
2:58:31
